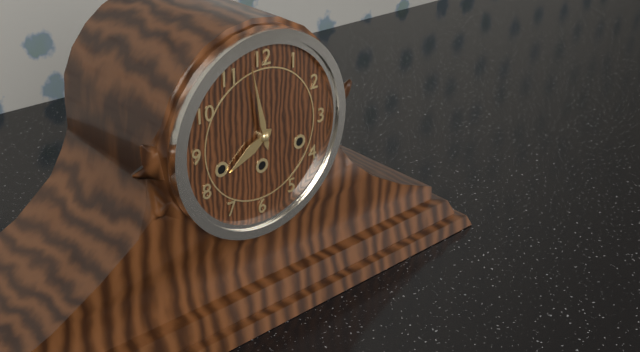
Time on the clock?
7:58
